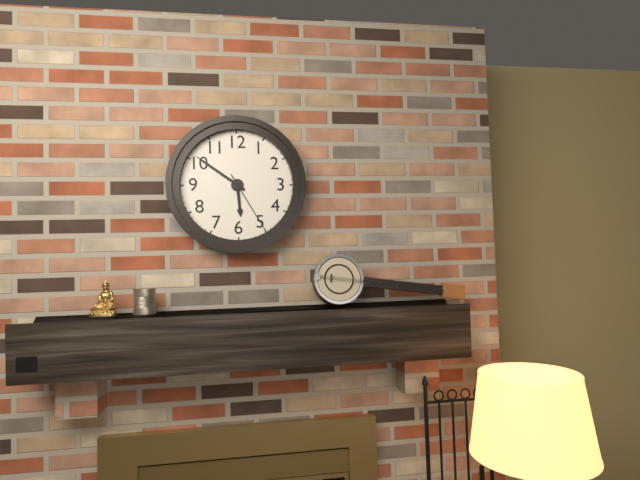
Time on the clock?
5:51:25
